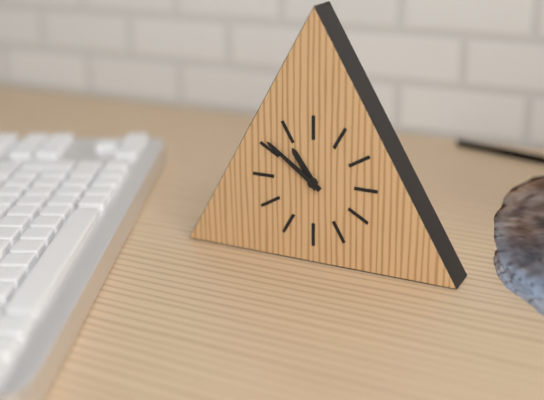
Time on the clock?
10:51
